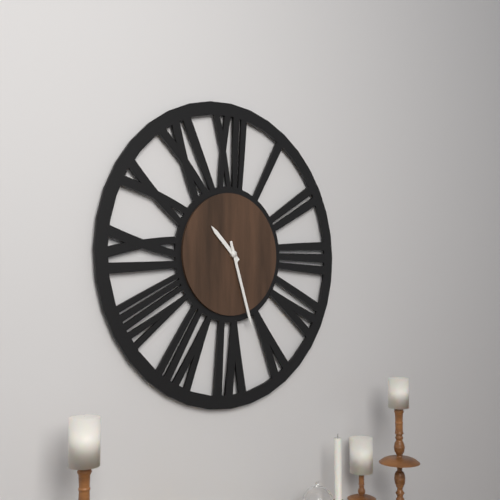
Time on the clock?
10:27
